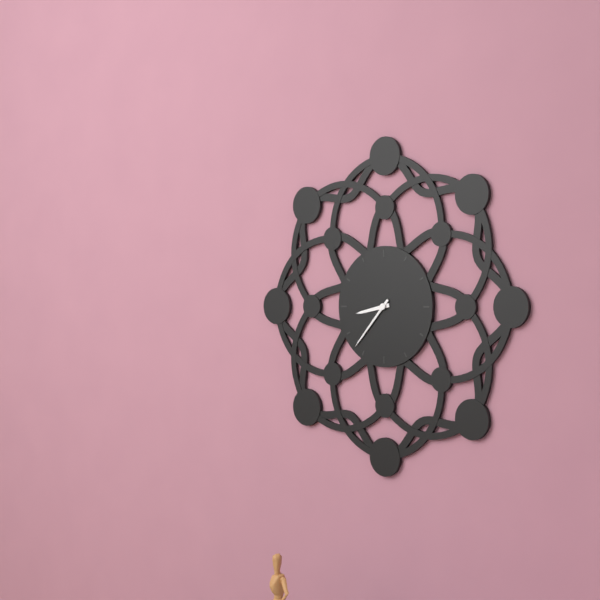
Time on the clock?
8:37
